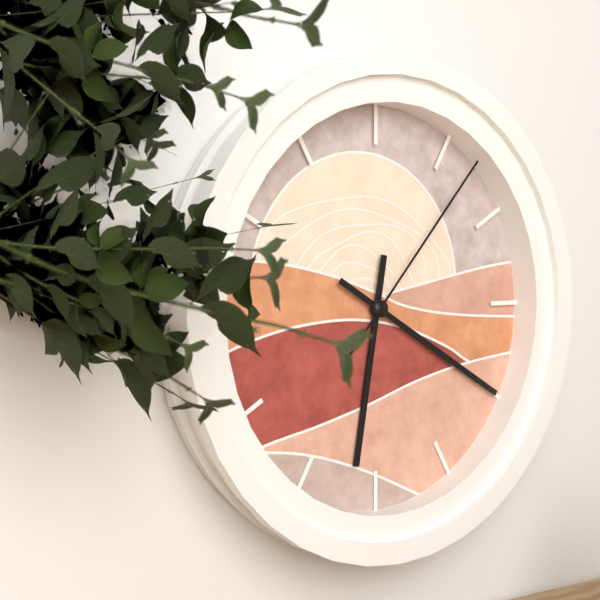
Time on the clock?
6:20:07
